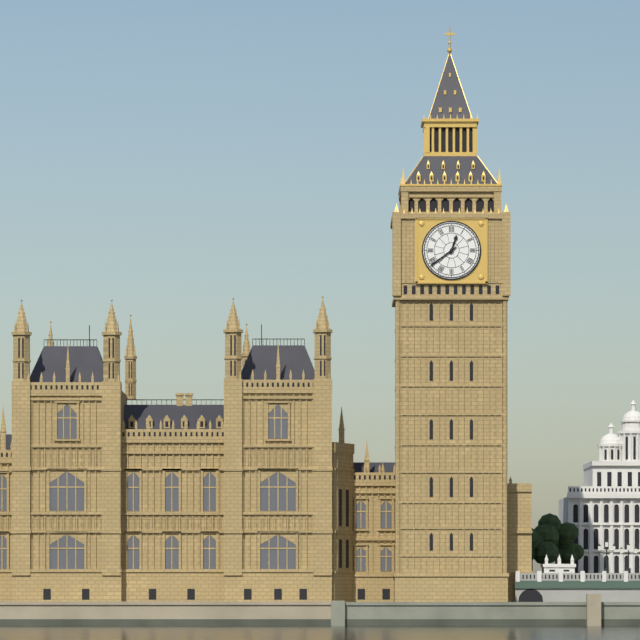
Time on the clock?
12:39
